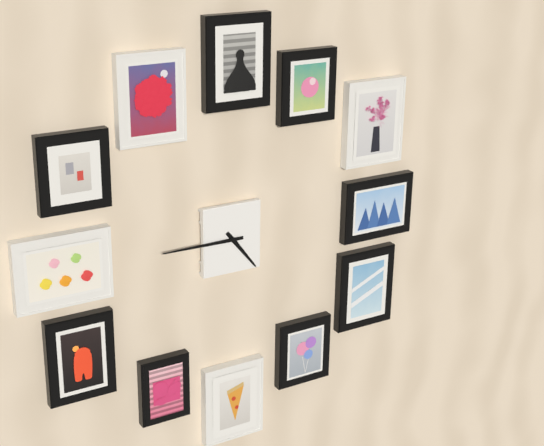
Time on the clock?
4:45
